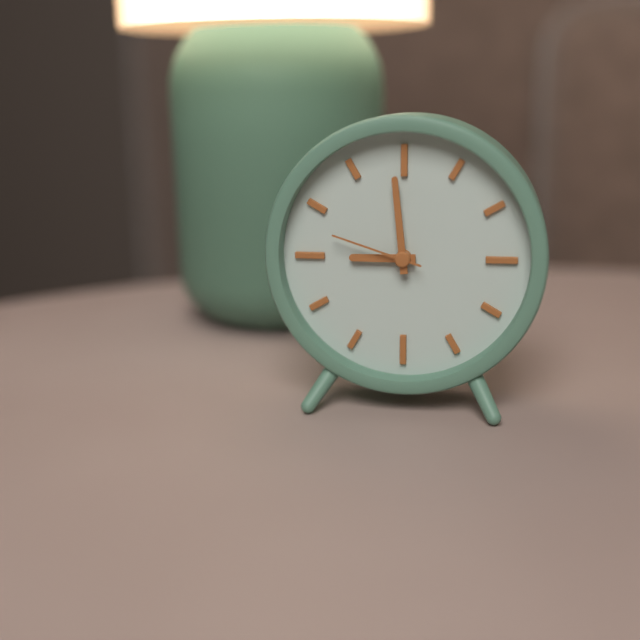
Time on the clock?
8:59:48
